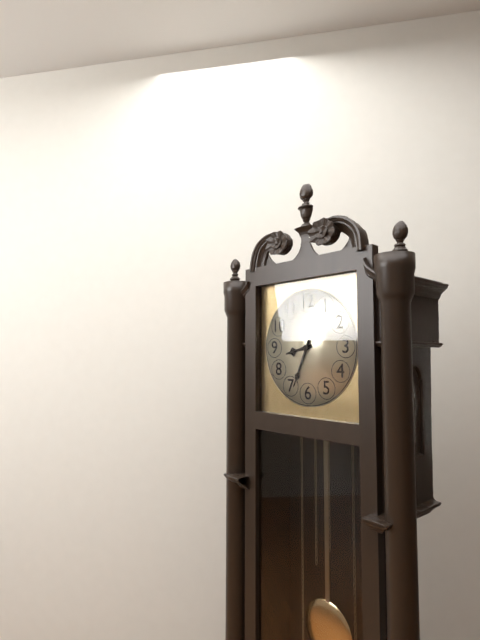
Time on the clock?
8:34
